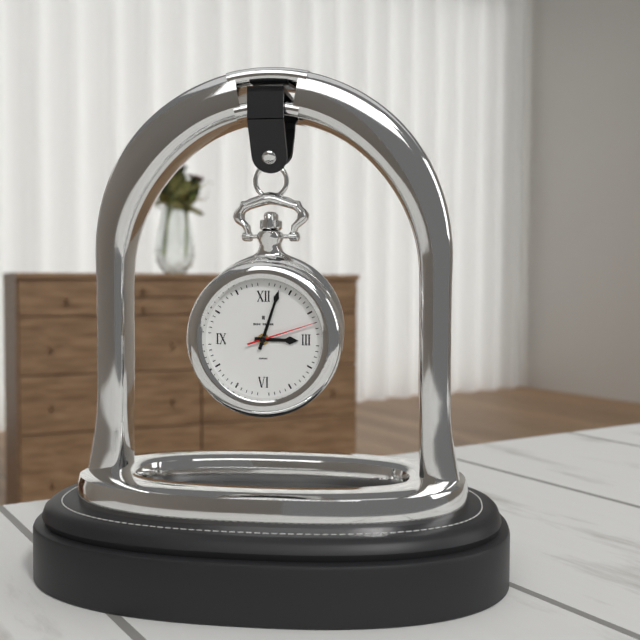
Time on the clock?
3:03:12
